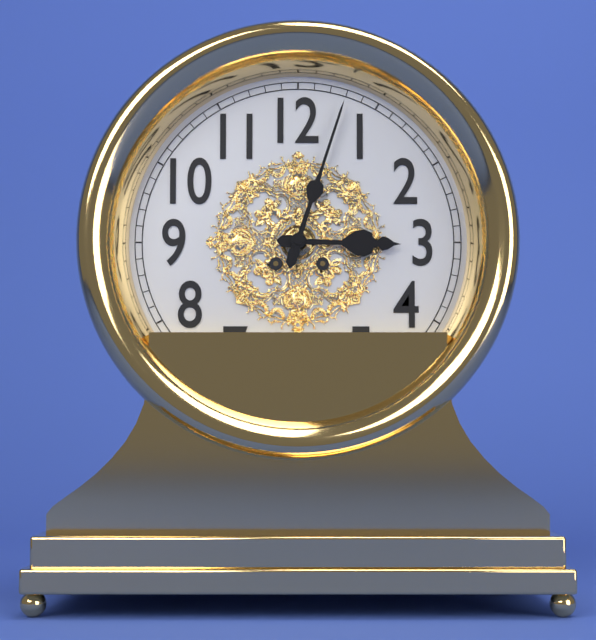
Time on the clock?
3:03
